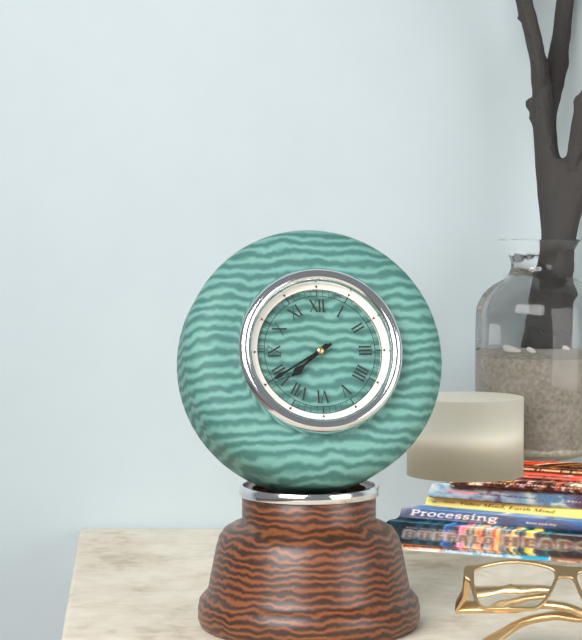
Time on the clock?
7:40
